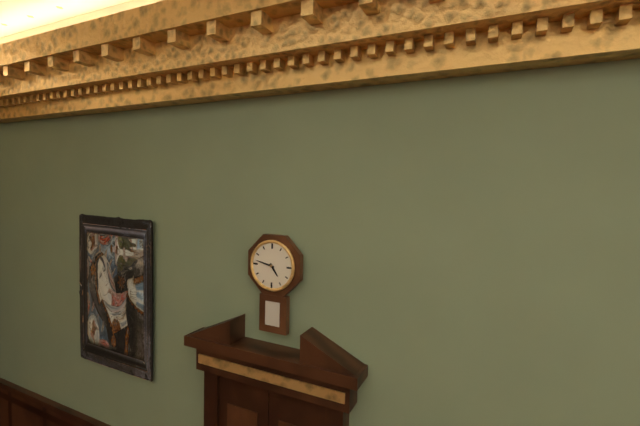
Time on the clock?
4:47
